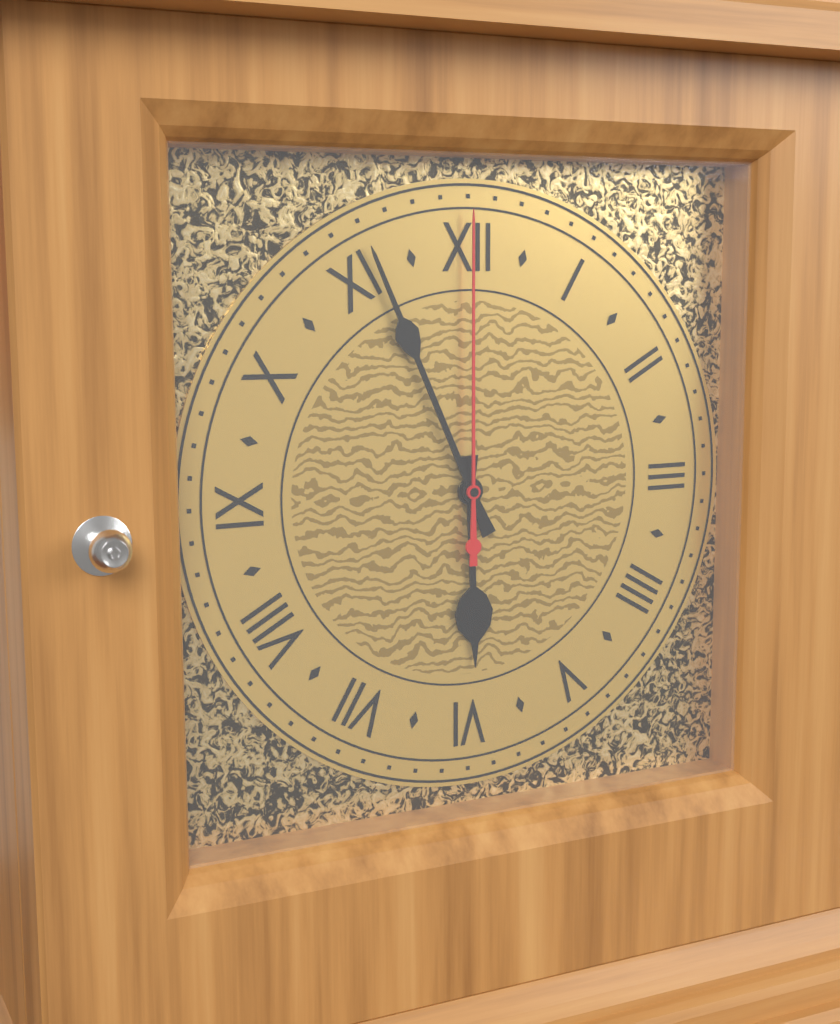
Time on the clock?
5:56:00
